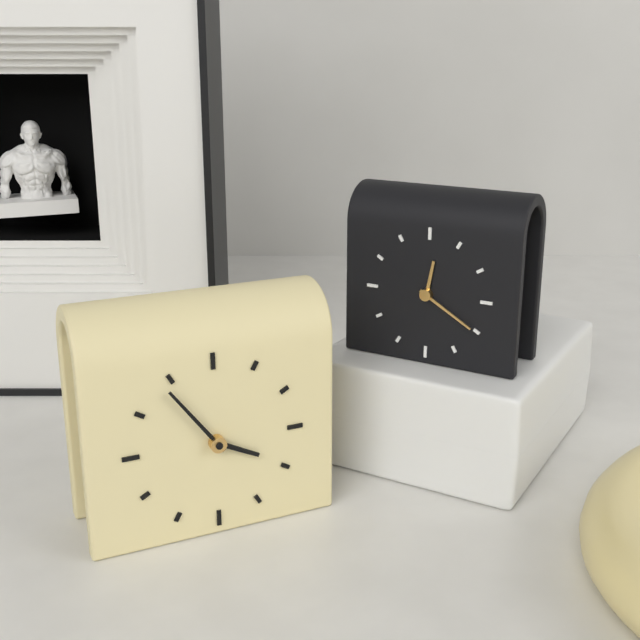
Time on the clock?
3:54
